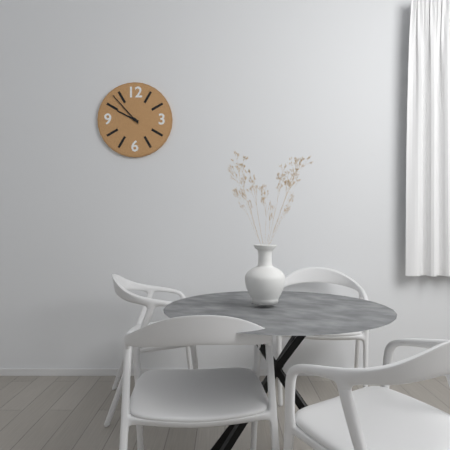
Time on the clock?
9:53
